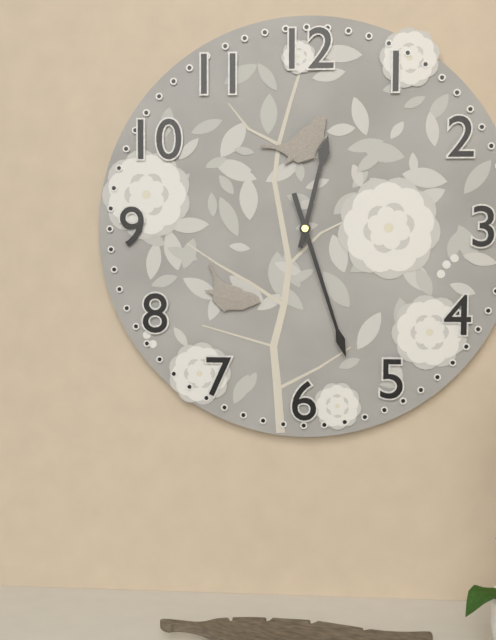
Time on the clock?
12:27
